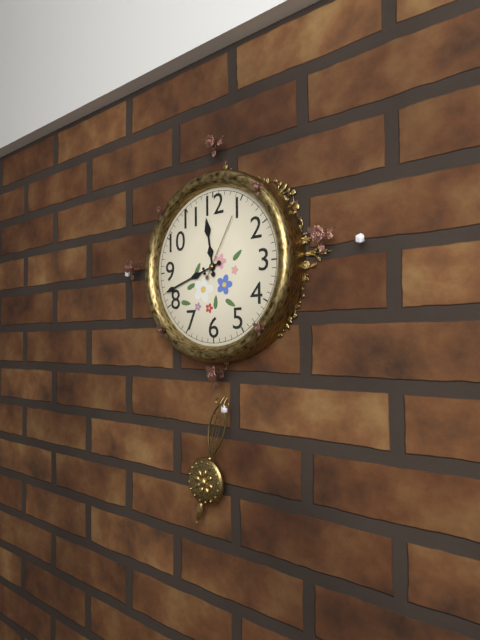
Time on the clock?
11:42:05
